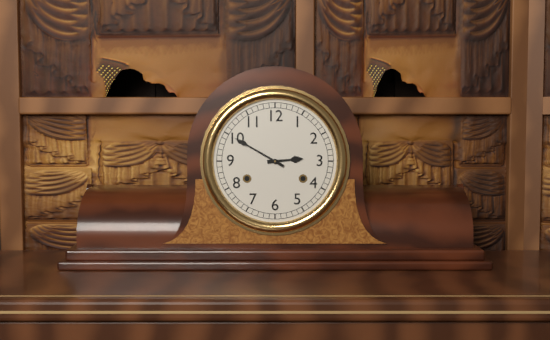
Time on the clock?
2:50
